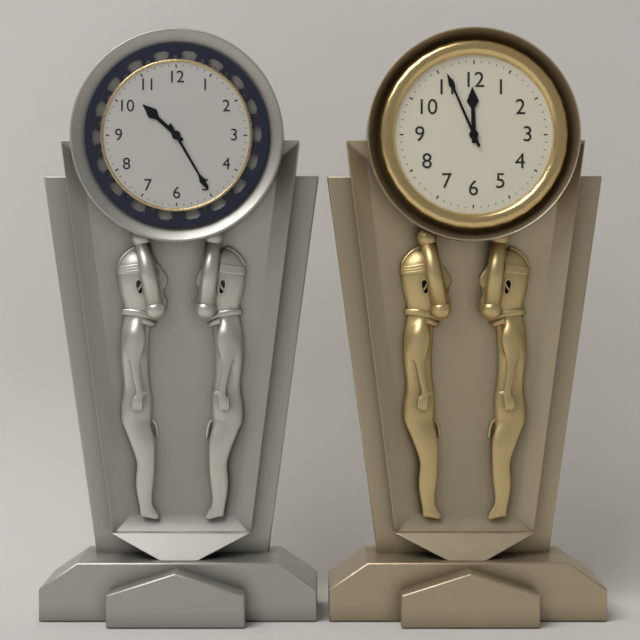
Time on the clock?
11:56
